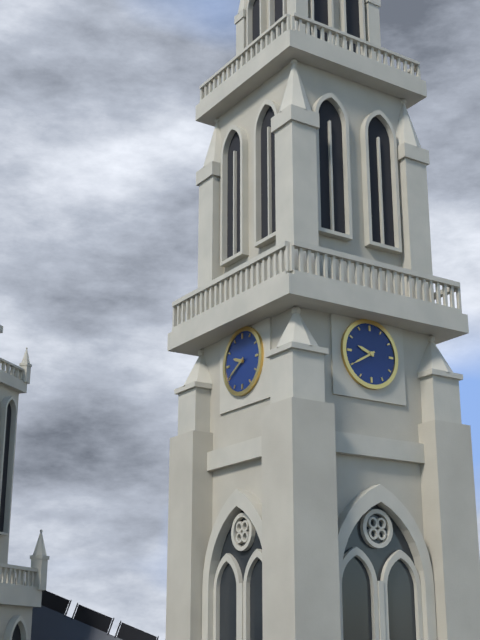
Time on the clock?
9:40
